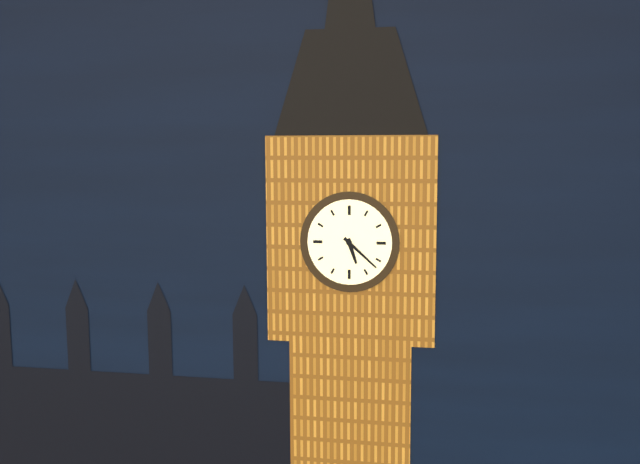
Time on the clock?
5:22
